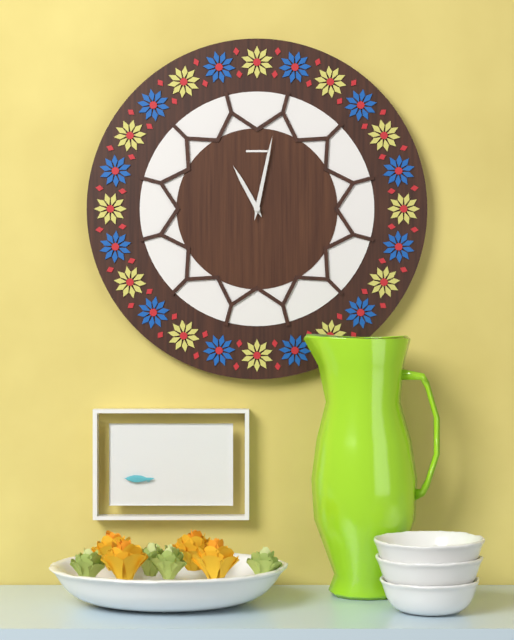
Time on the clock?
11:02
